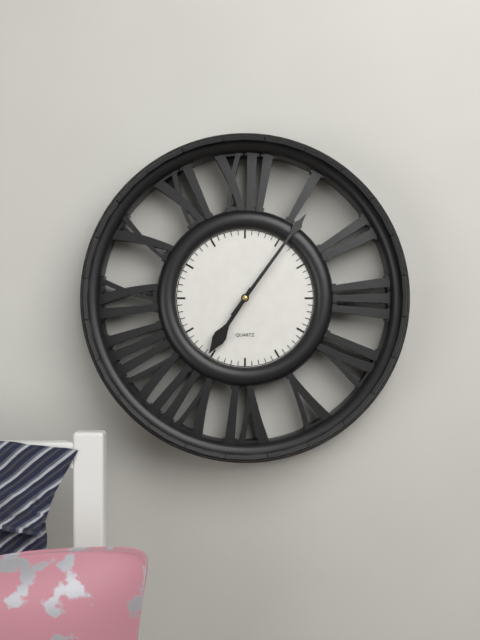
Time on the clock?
7:06
